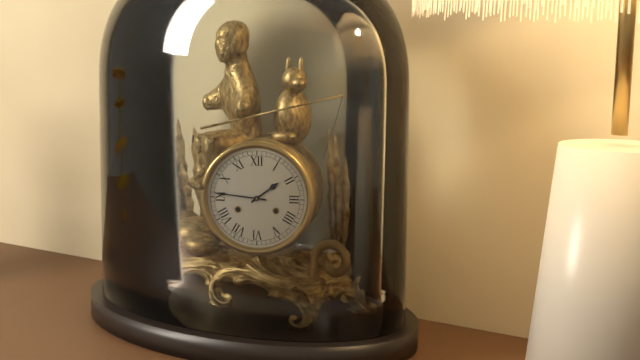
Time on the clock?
1:46
